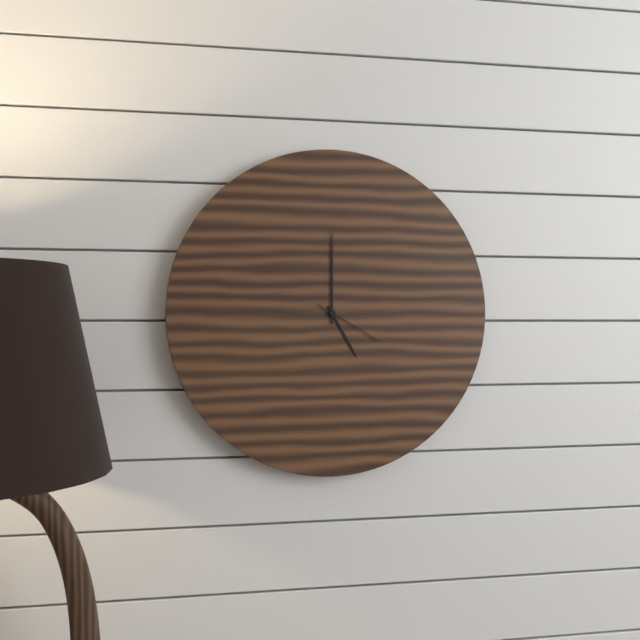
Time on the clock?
5:00:20
